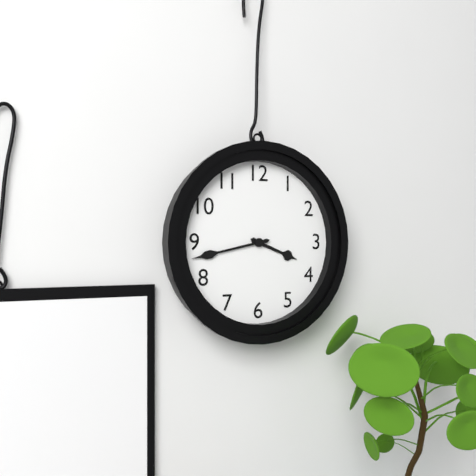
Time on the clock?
3:43
